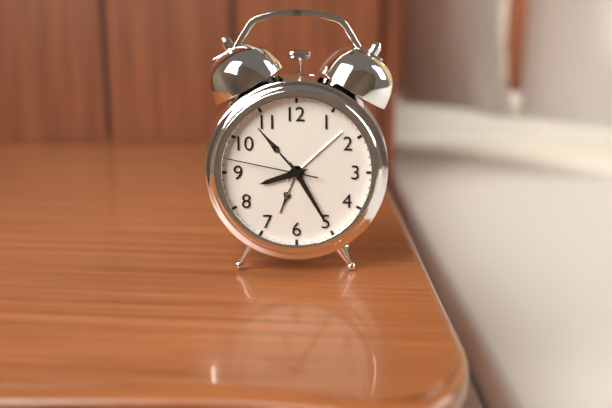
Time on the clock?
8:25:47
